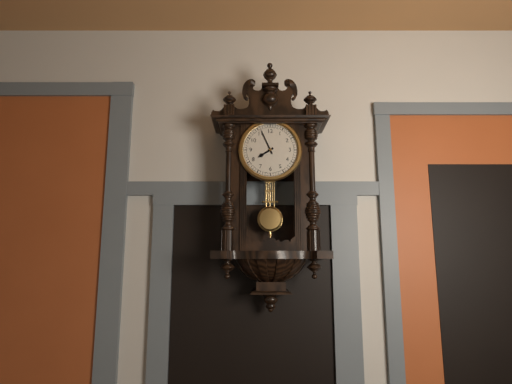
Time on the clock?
7:56
